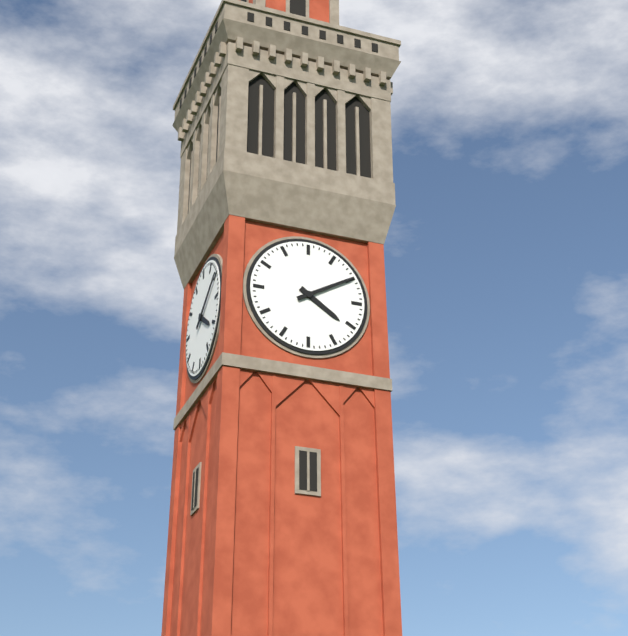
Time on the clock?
4:10
